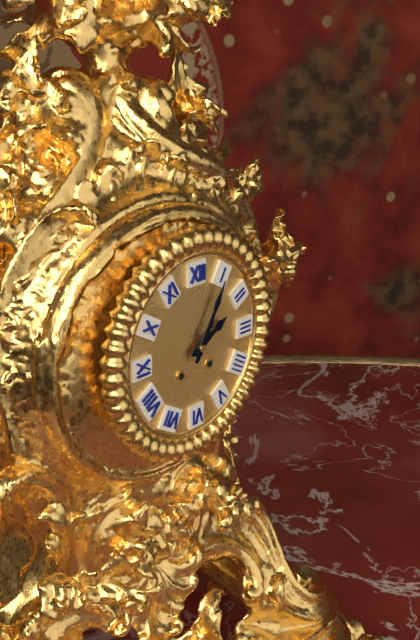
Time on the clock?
2:05
